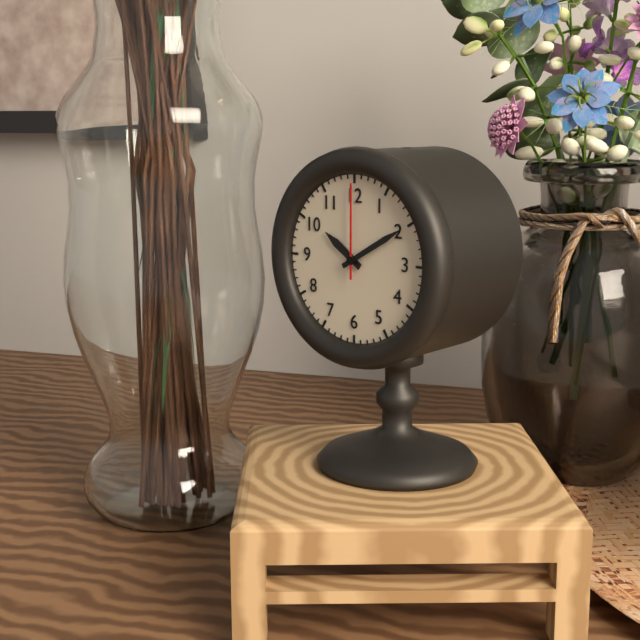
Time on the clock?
10:10:00
